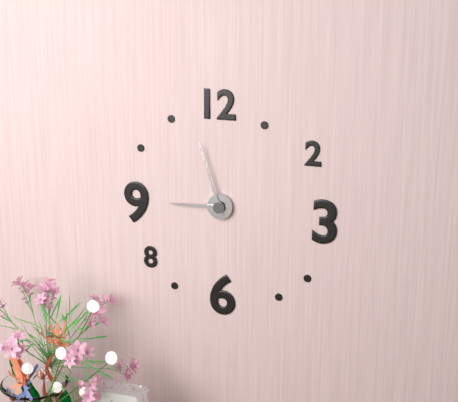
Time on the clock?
8:57
